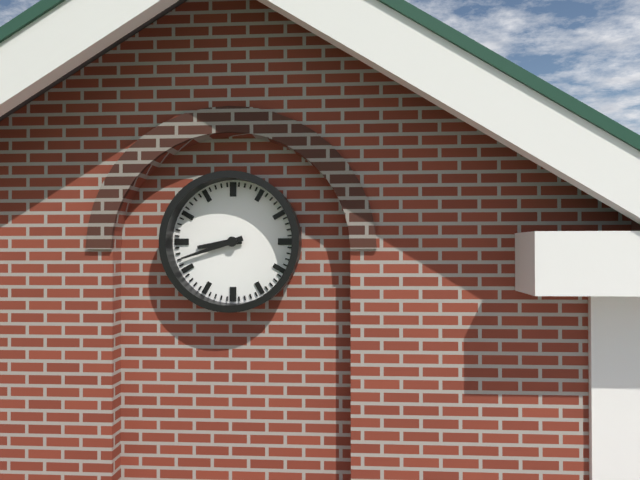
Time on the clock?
8:42
